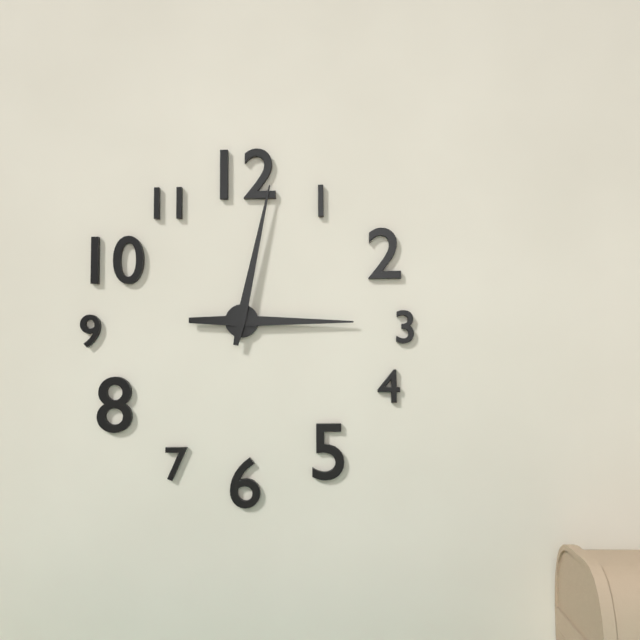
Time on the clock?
3:02
